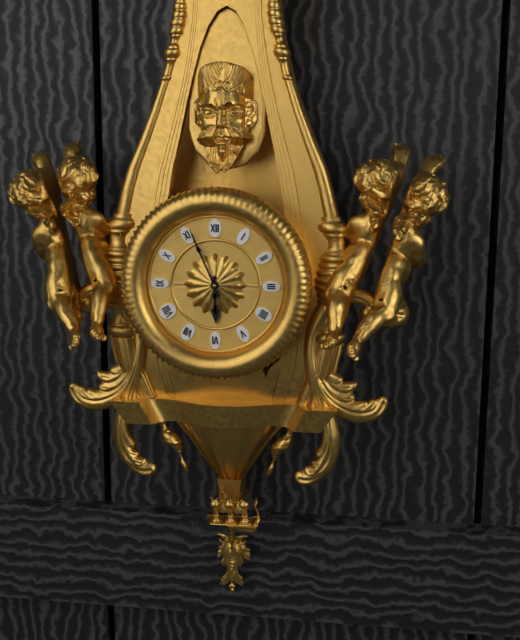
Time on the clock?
5:56
